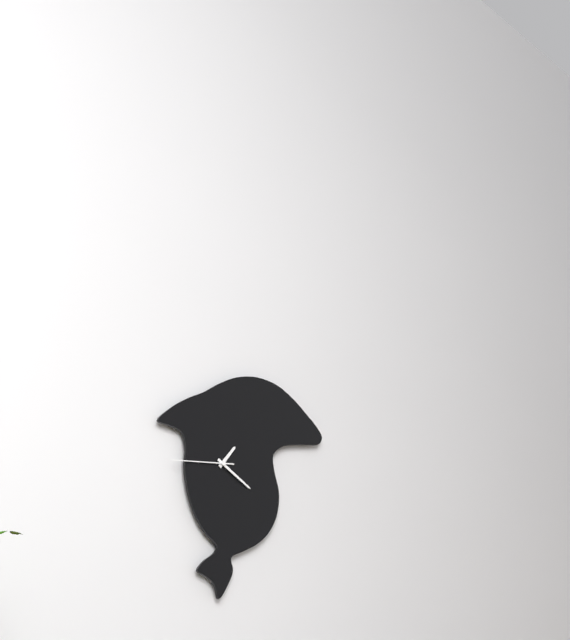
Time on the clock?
1:20:44
